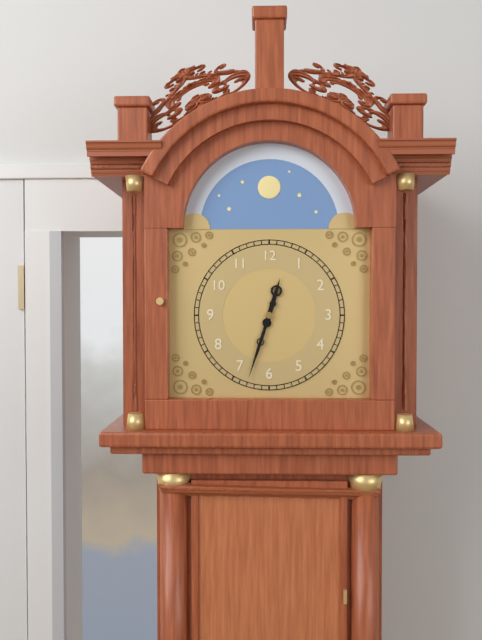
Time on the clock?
12:33
